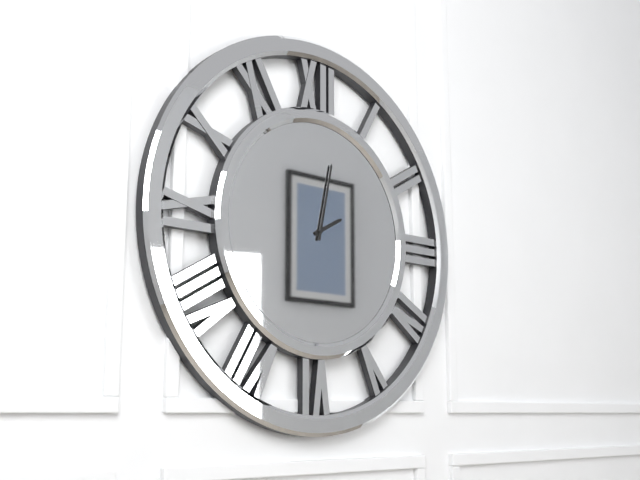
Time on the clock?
2:02
